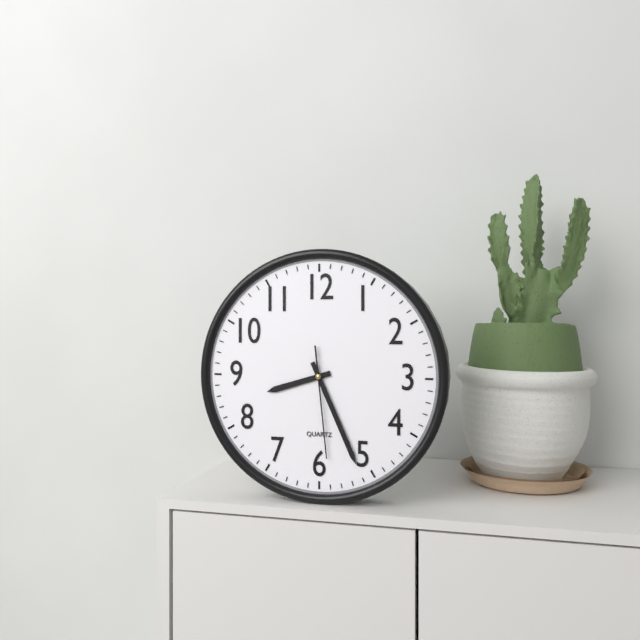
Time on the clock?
8:26:29
